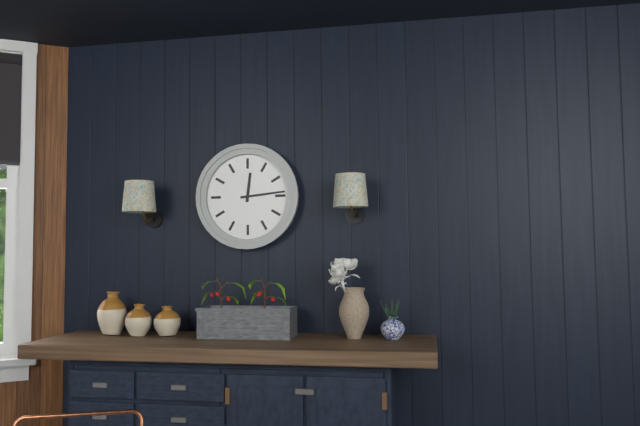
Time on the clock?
12:14
